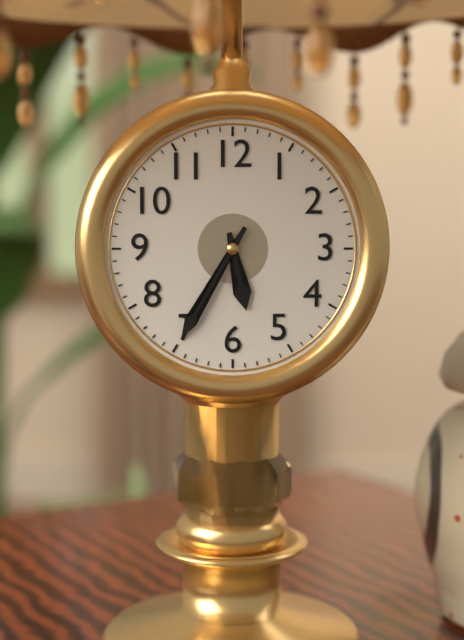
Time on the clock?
5:35
